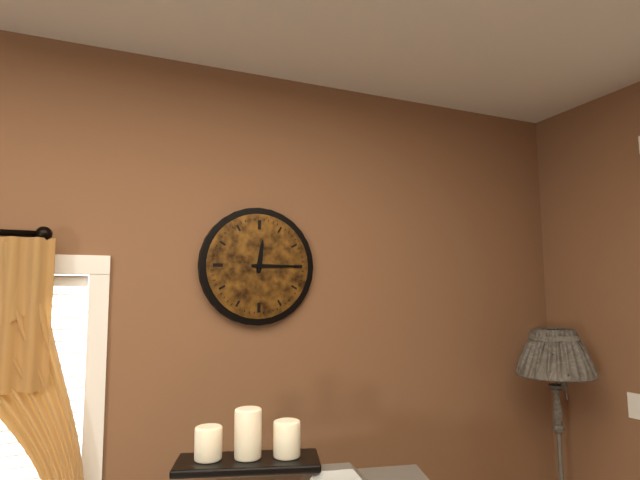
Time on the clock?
12:15
